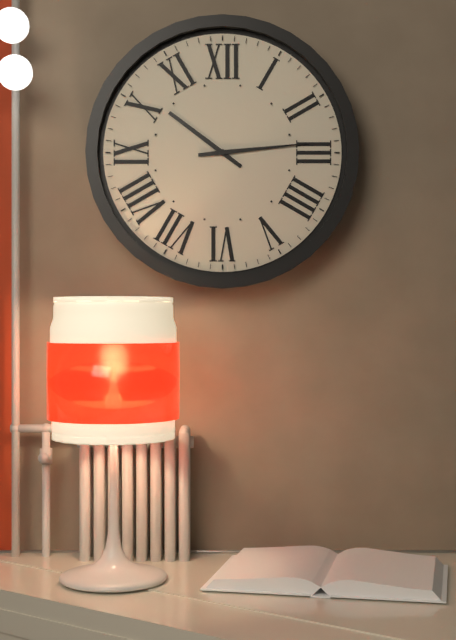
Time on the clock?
10:14
